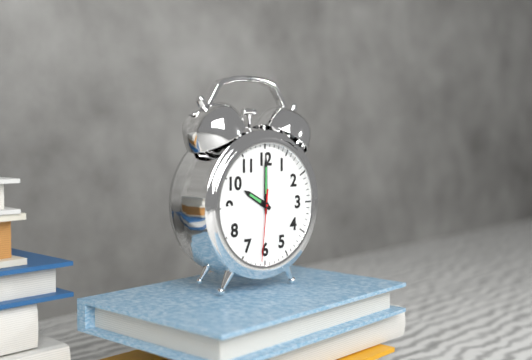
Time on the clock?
10:00:31
